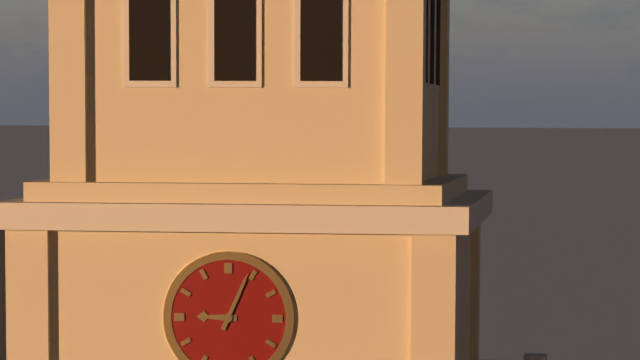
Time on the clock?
9:04
